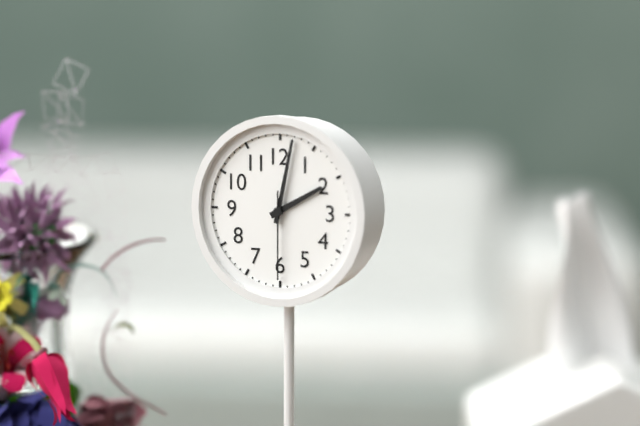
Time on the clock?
2:02:30
